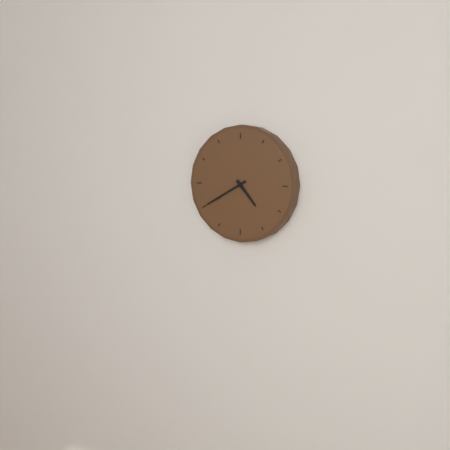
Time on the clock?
4:40
